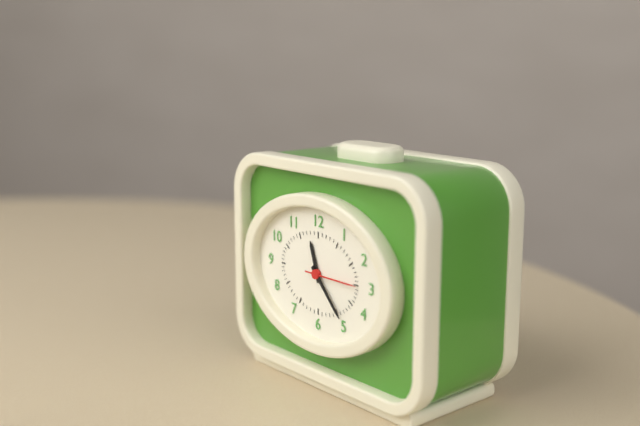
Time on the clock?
11:23:15
